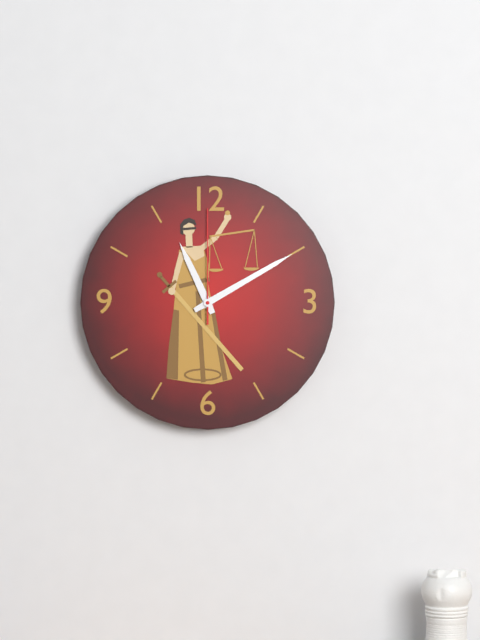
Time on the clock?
11:10:00
